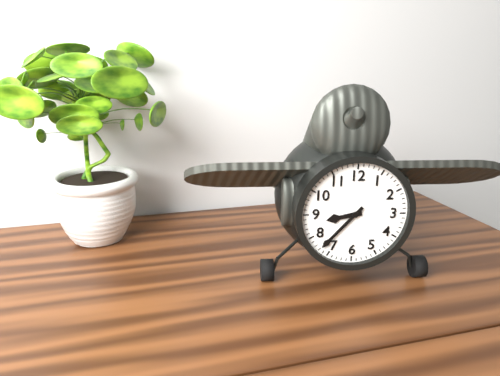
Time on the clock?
8:37
